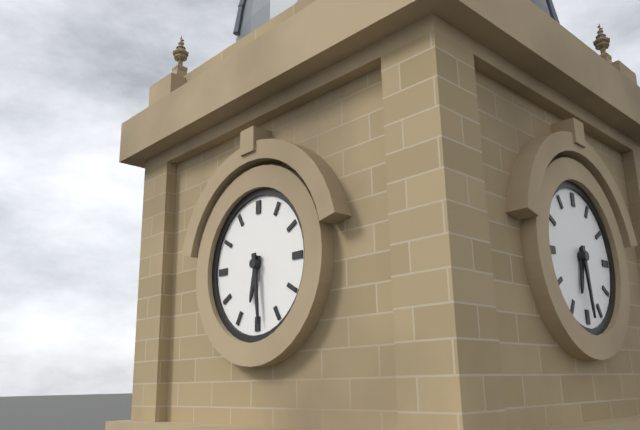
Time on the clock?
6:29
